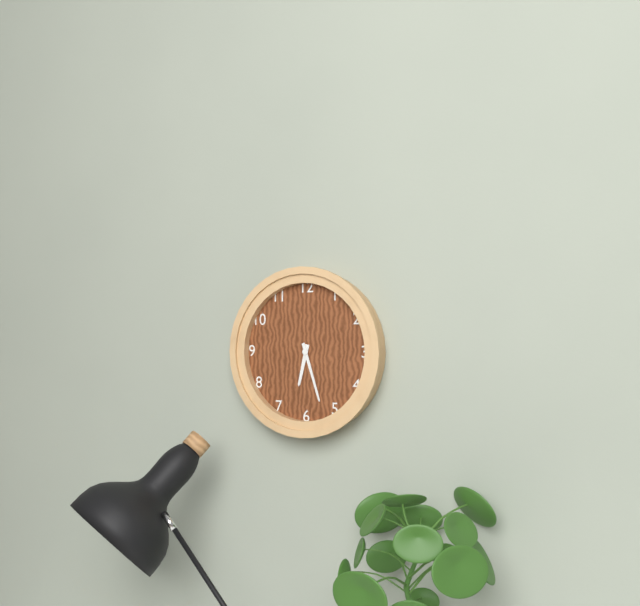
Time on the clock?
6:27
